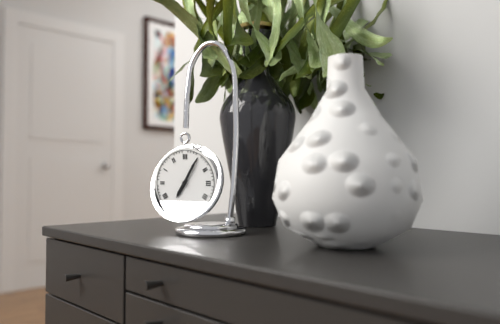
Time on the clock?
7:05
